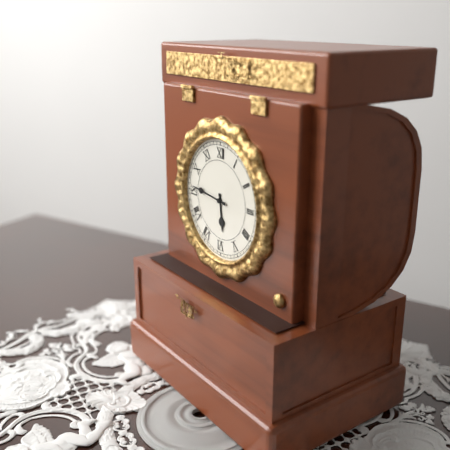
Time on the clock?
5:46
